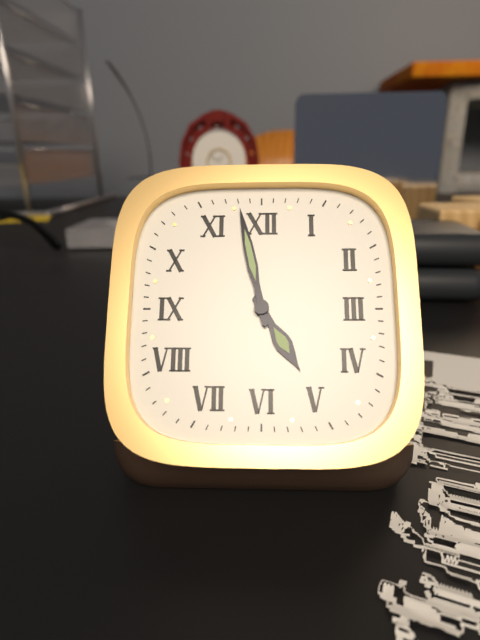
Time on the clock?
4:58
